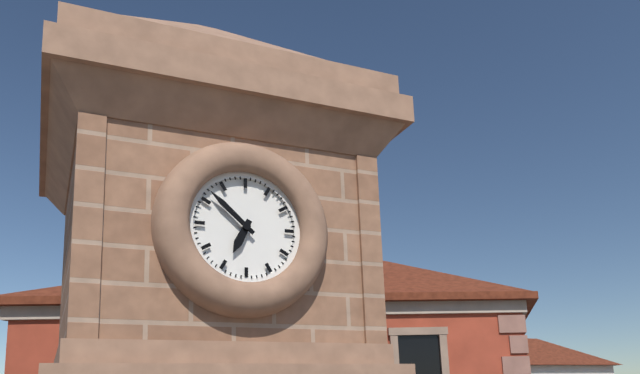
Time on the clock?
6:52
